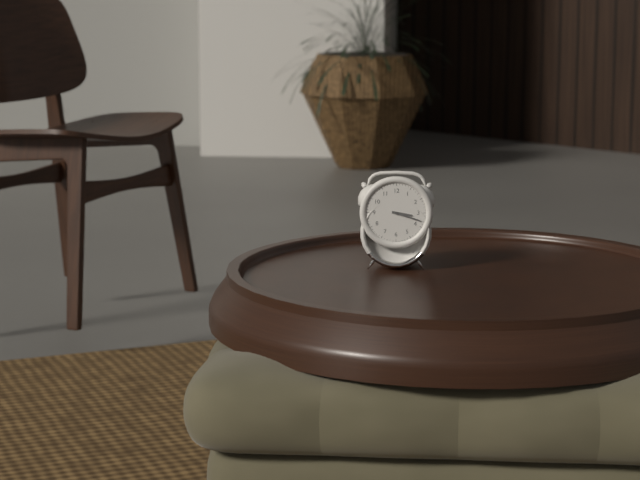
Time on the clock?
3:18
